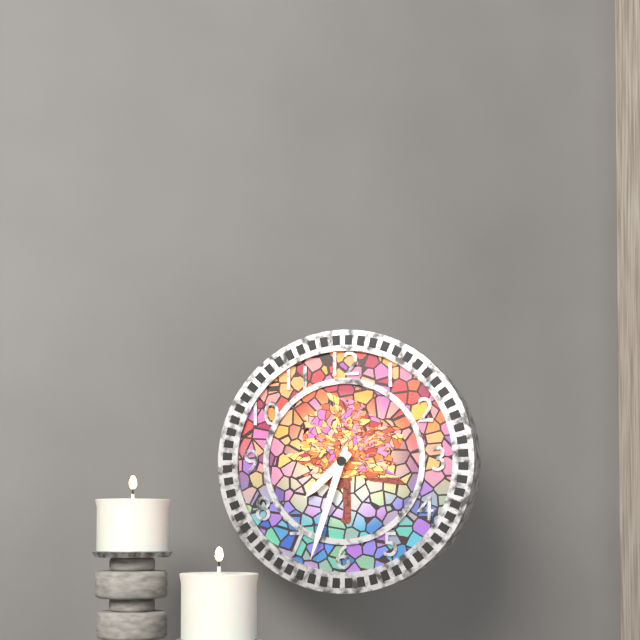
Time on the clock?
7:33
